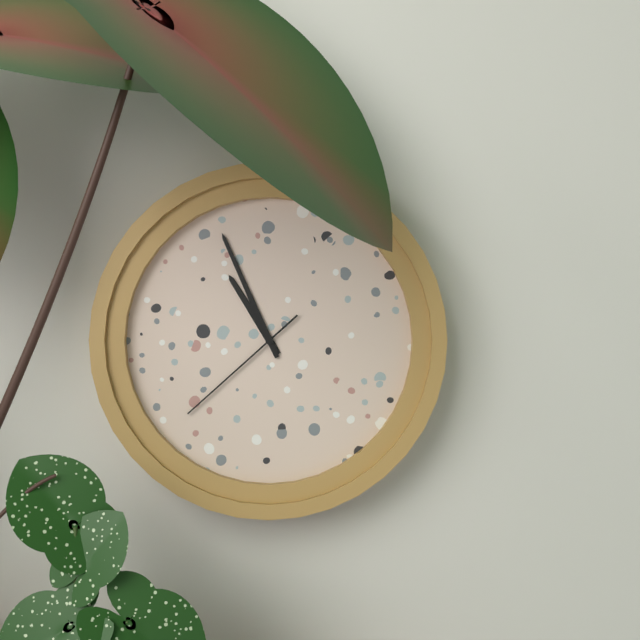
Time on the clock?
10:56:38
